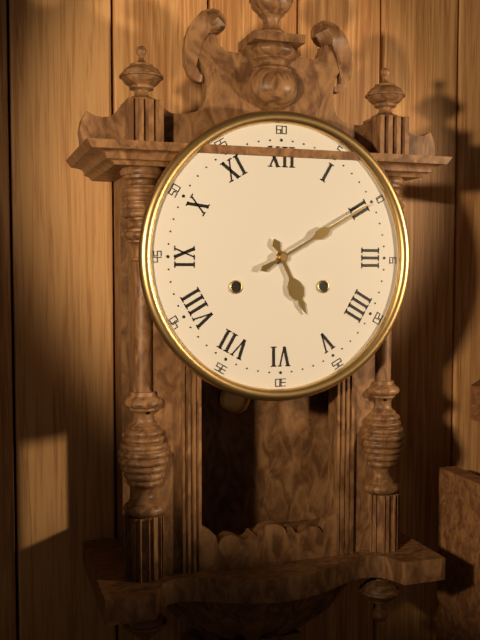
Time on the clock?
5:10
